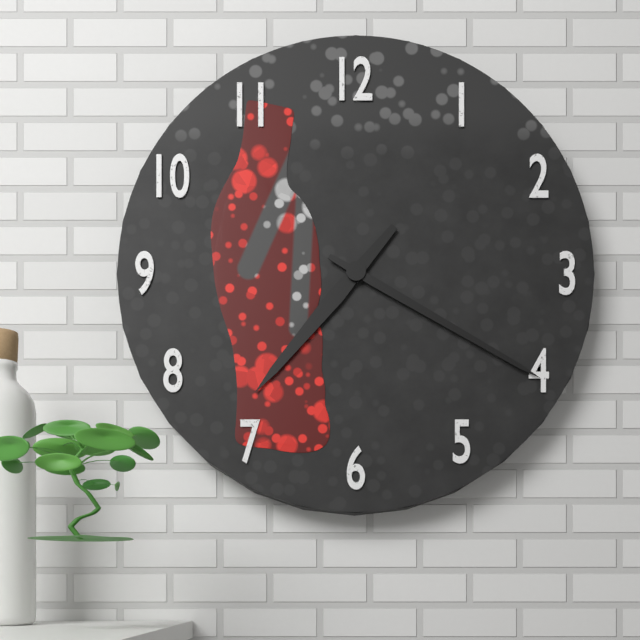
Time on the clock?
7:20
